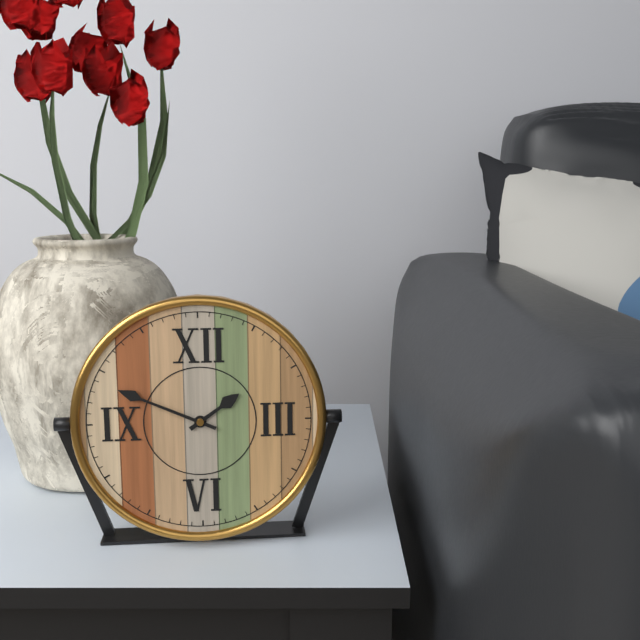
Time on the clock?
1:49
